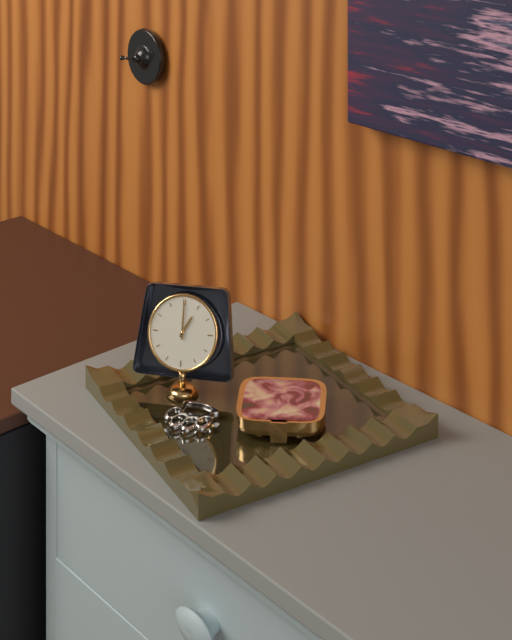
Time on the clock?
1:00
